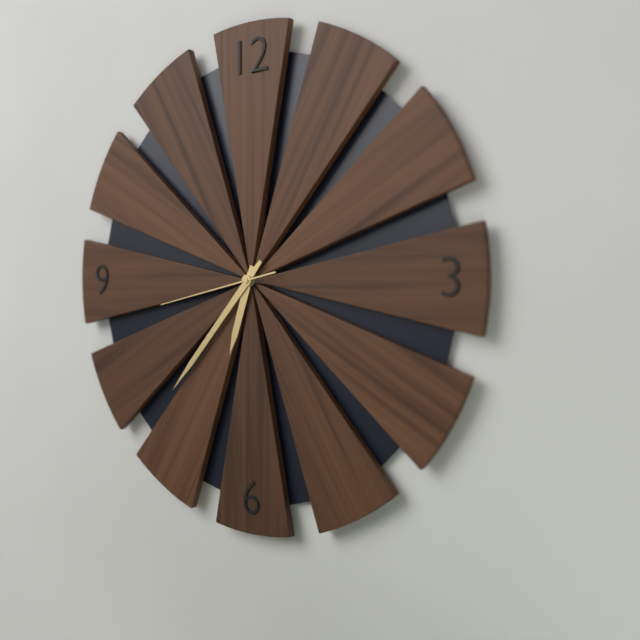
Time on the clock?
6:37:43
